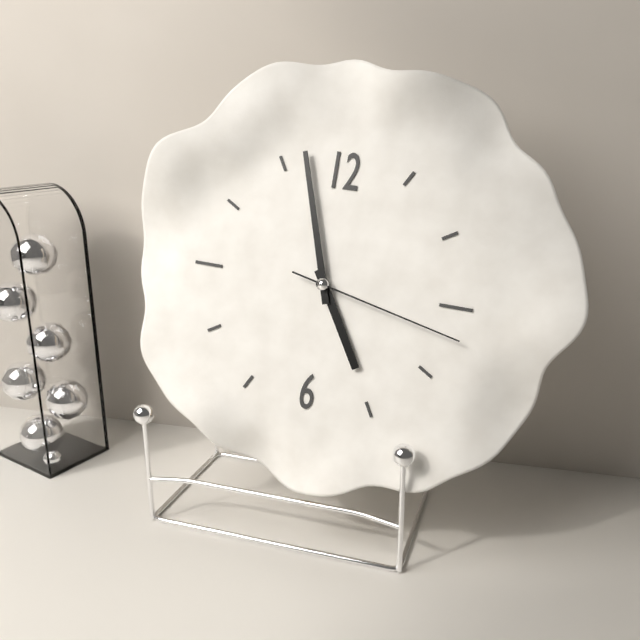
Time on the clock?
4:57:17
